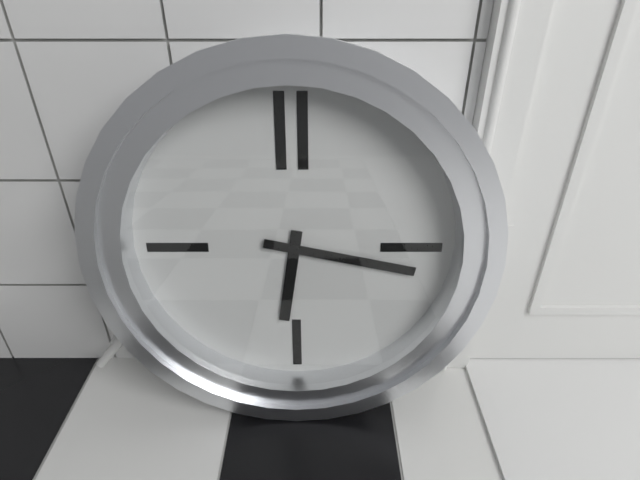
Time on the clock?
6:17
